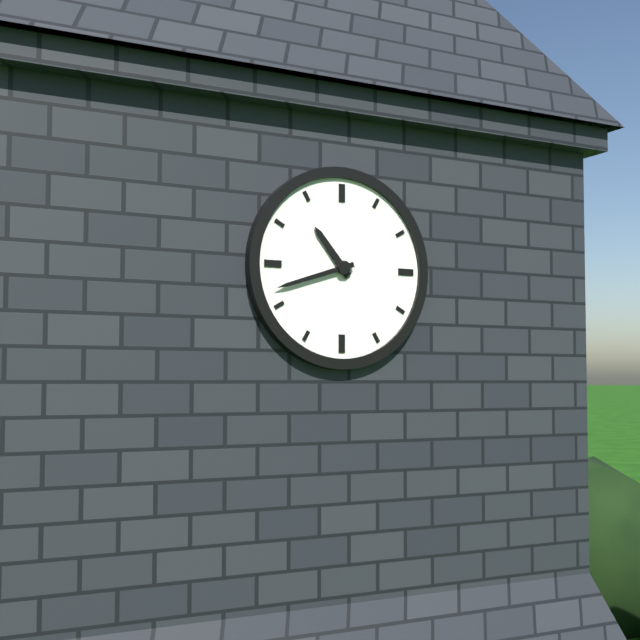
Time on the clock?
10:42
